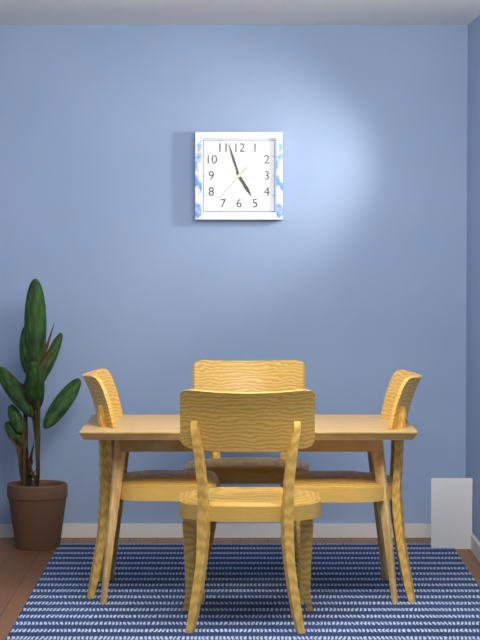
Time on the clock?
4:57
